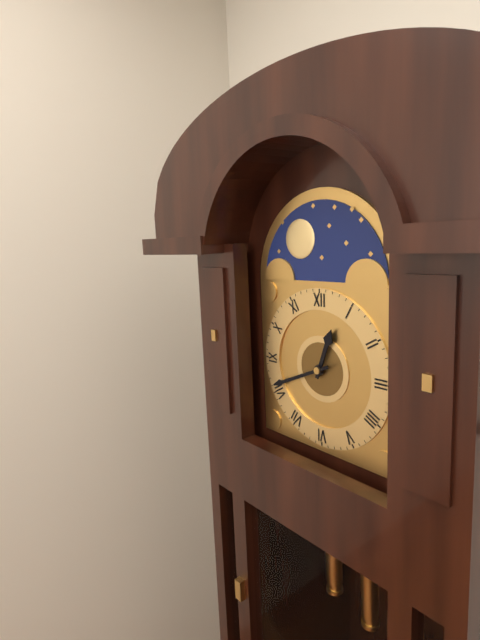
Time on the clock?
12:41
